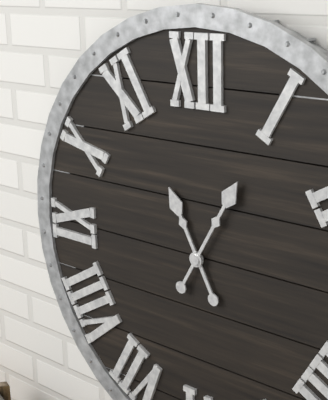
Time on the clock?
11:05
